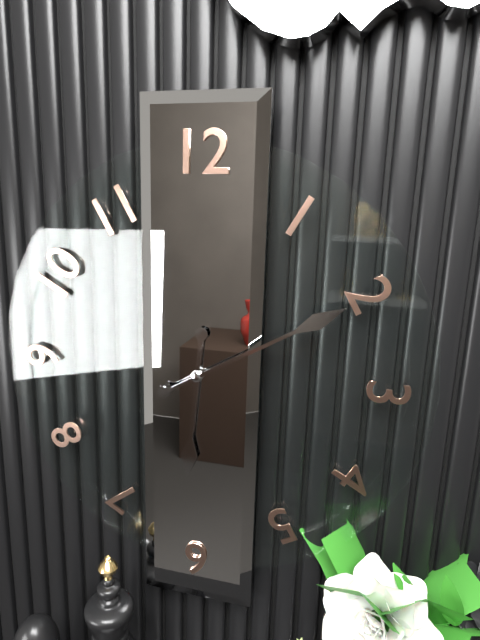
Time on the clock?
6:10
